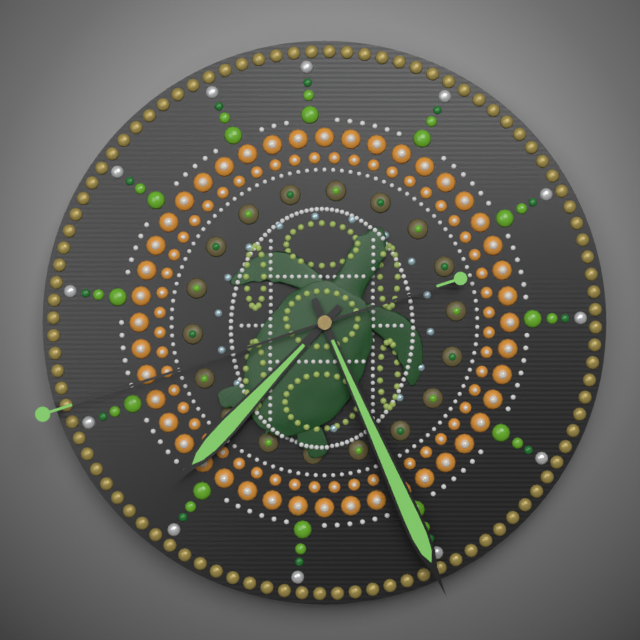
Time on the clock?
7:26:42
